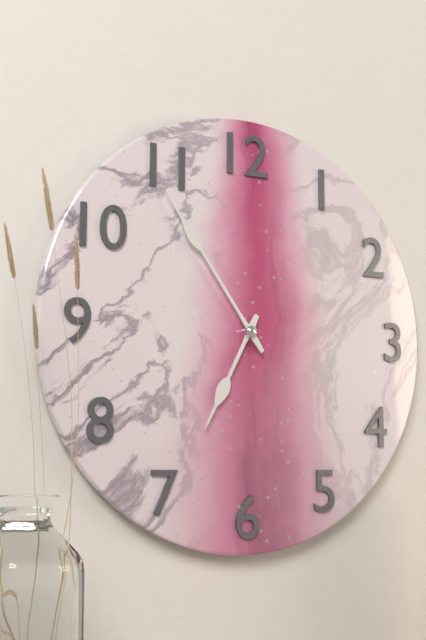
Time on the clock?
6:54
